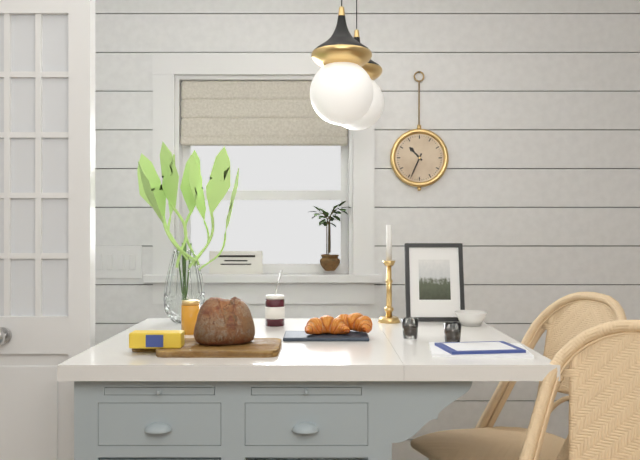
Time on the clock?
10:34
